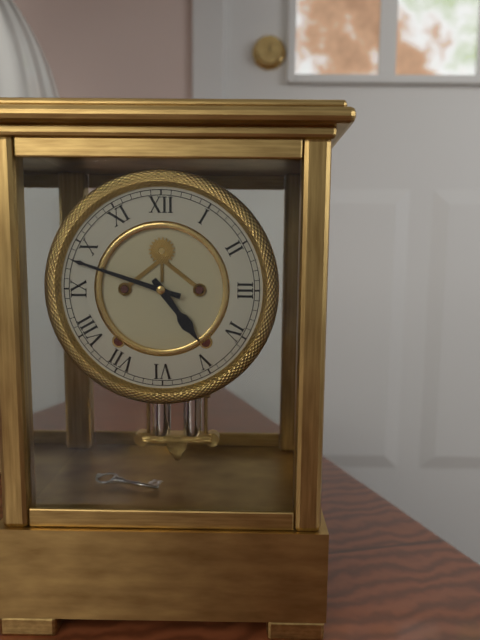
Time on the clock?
4:48
